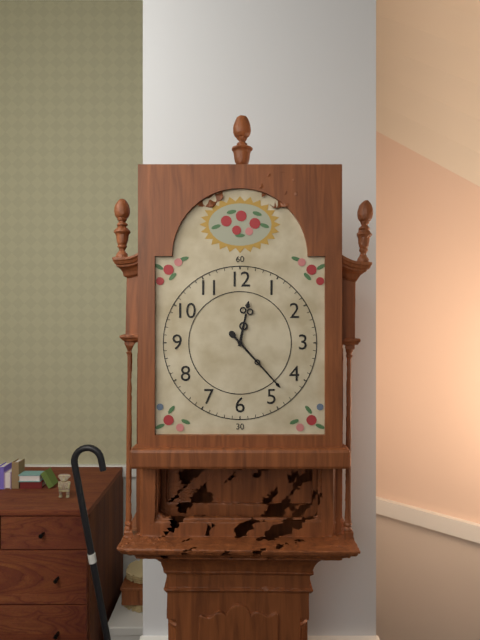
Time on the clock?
12:23
